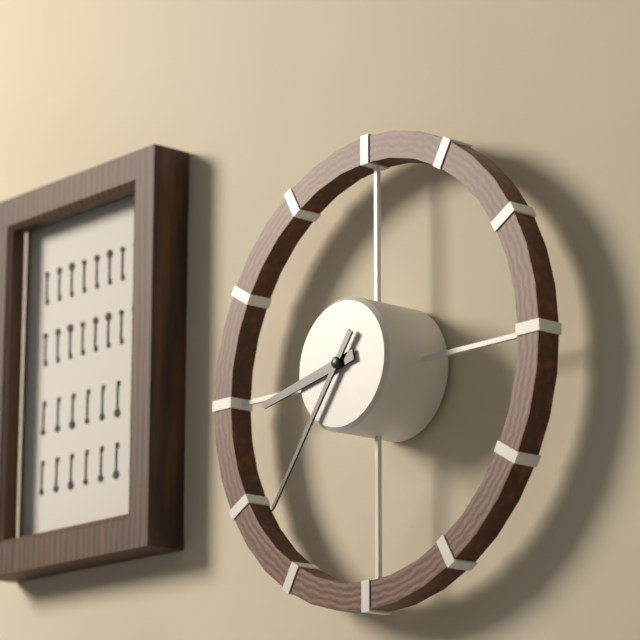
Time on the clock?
8:36
